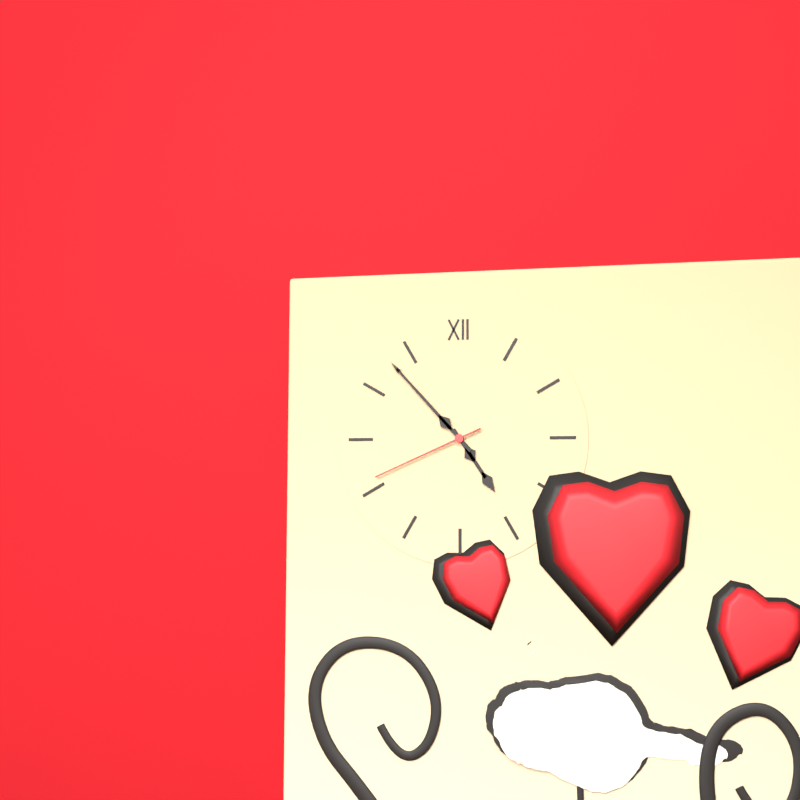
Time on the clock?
4:53:41
